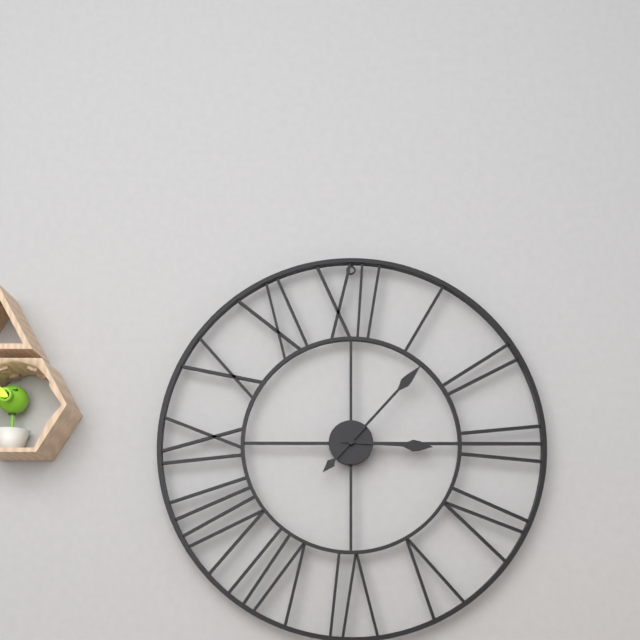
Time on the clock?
3:07
